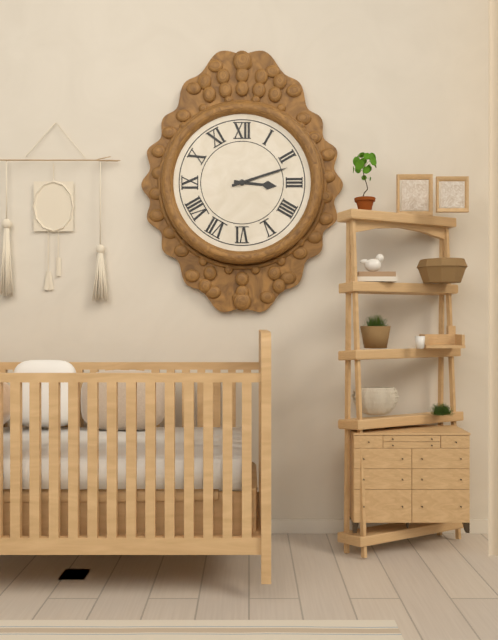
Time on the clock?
3:12
